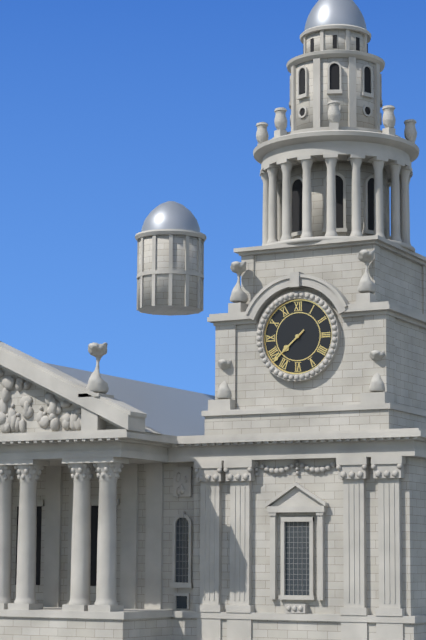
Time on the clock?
7:38
